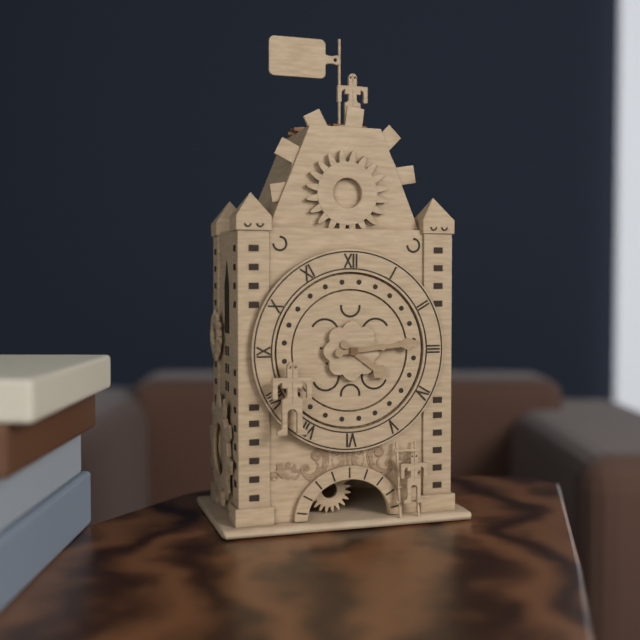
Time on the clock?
4:14
